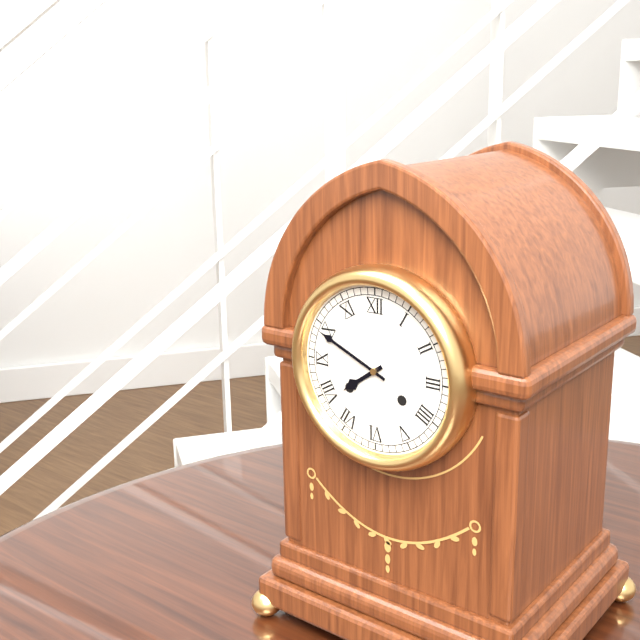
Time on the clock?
7:49
